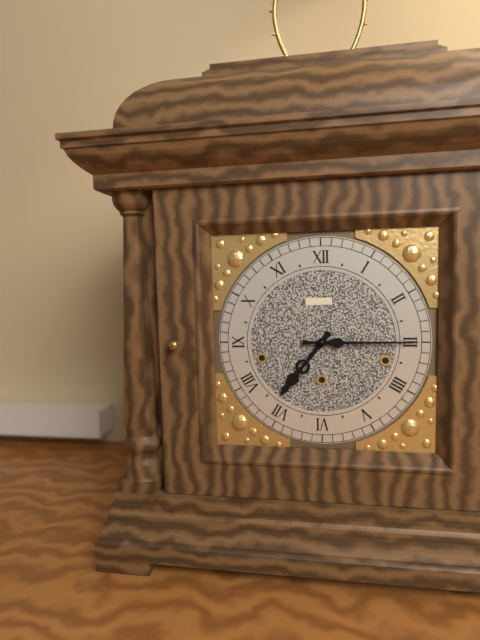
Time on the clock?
7:15
